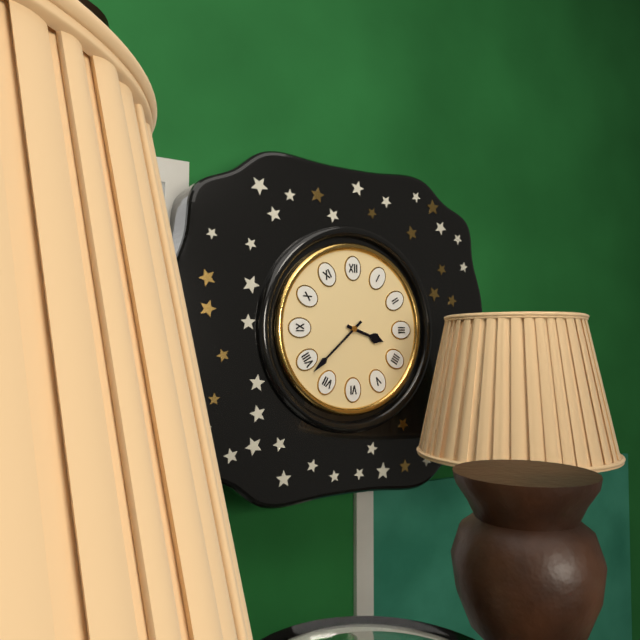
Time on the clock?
3:38
